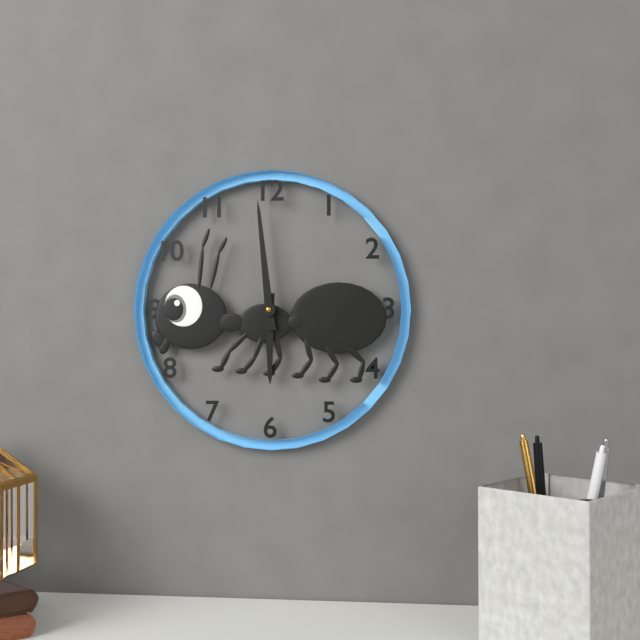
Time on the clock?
5:59
